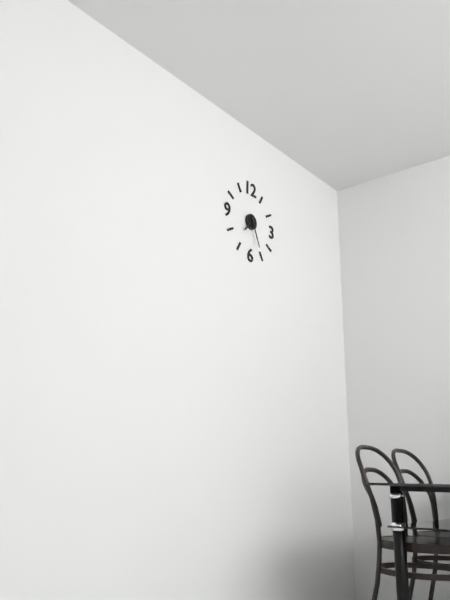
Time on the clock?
7:26
